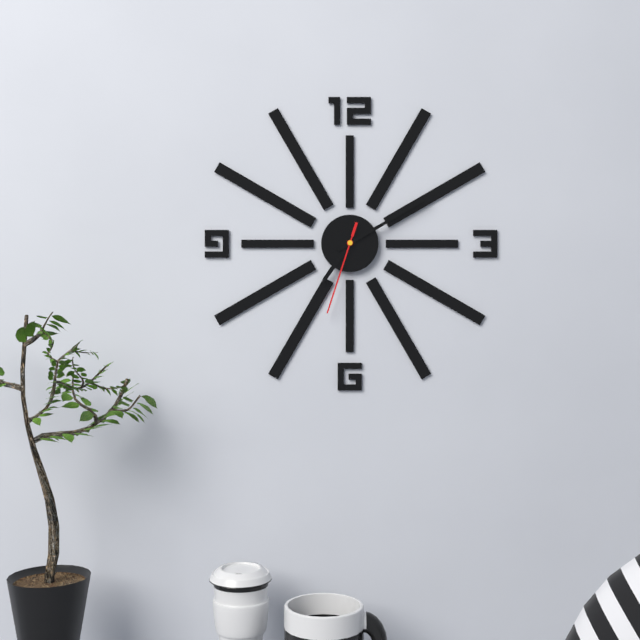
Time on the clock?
7:10:33
